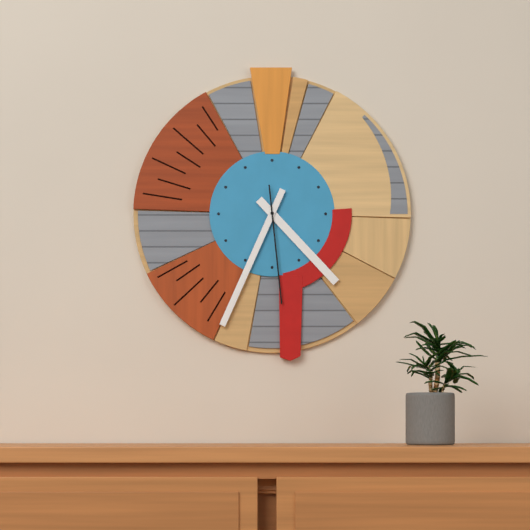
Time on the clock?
4:34:29
